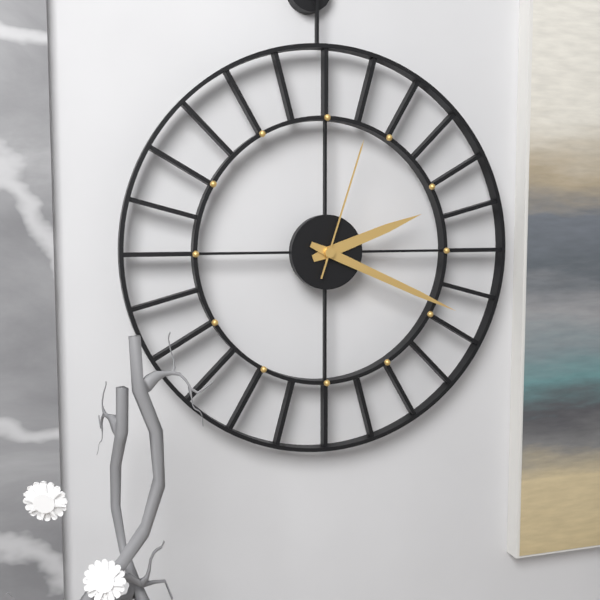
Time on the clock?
2:19:03
